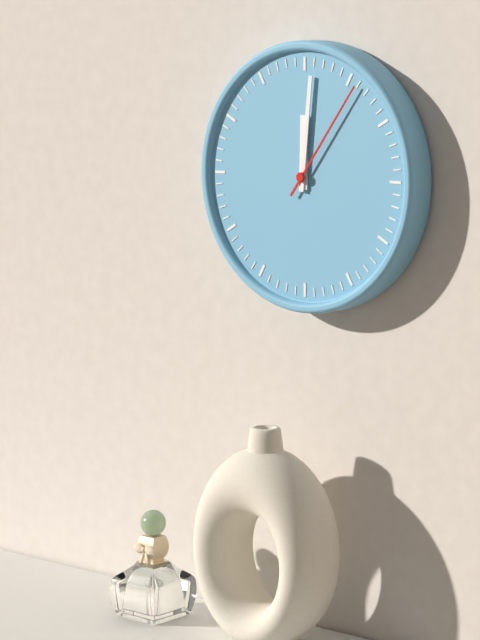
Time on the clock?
12:01:06
